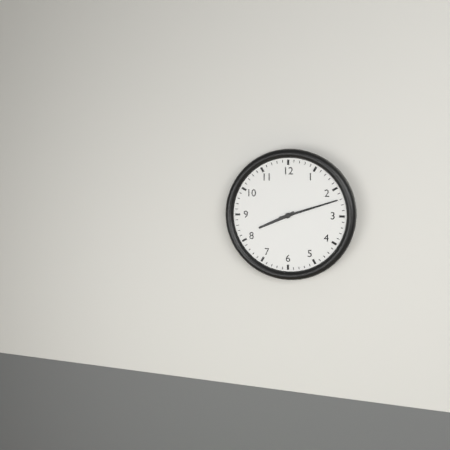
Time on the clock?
8:12
